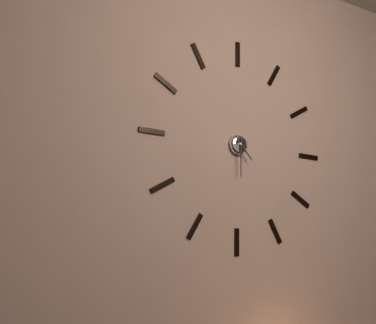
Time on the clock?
4:30
